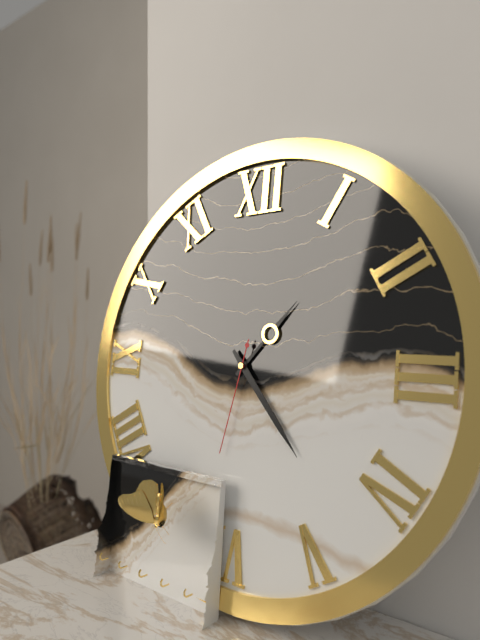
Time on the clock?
1:23:32
